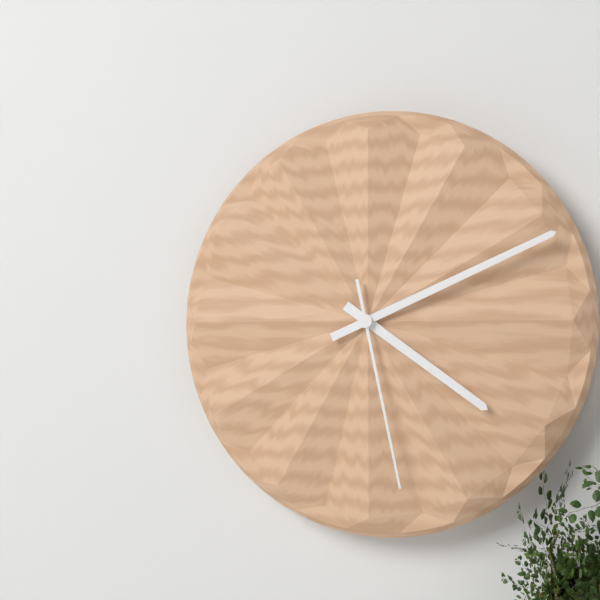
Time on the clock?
4:11:28
